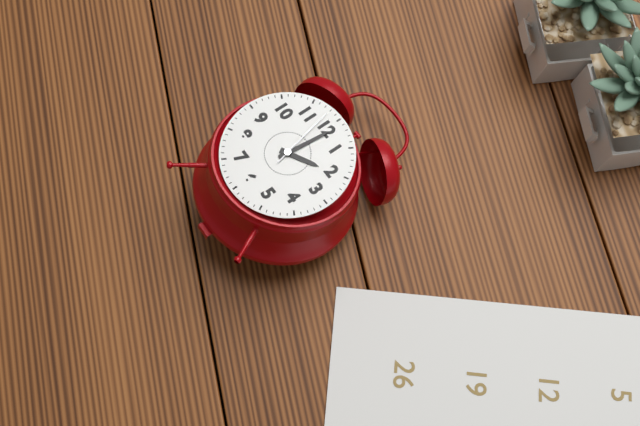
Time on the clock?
2:01:58
